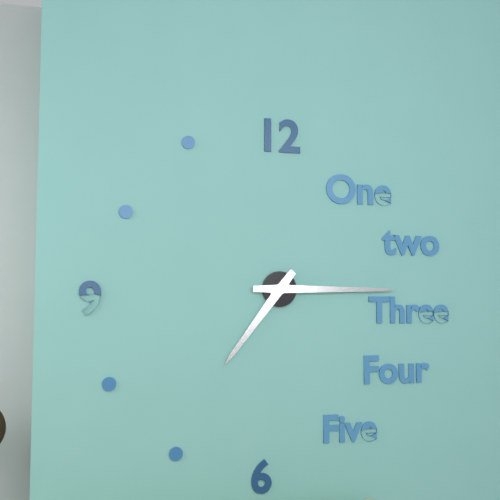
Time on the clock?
7:15
